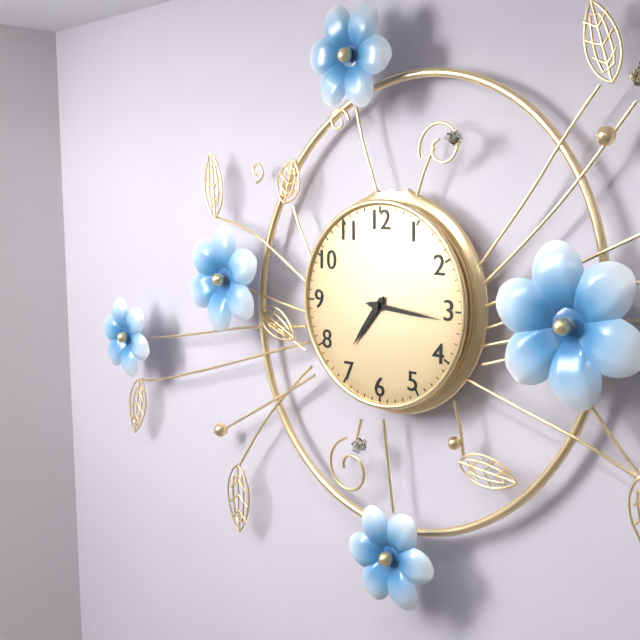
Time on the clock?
7:16
